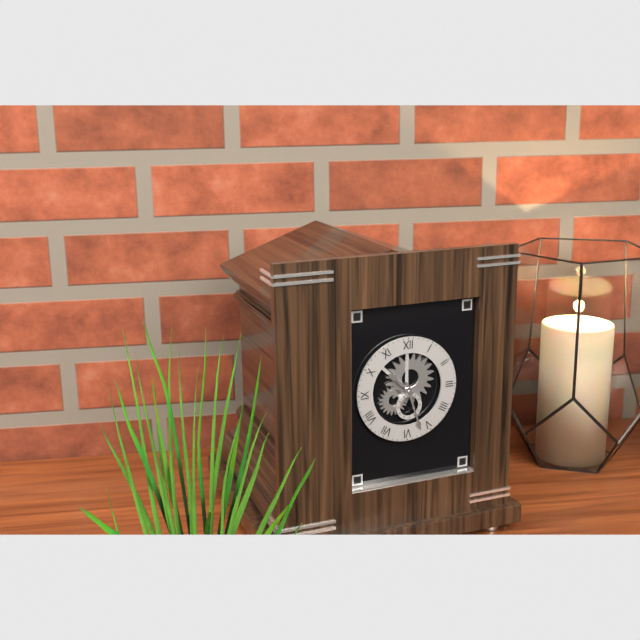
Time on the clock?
10:27
